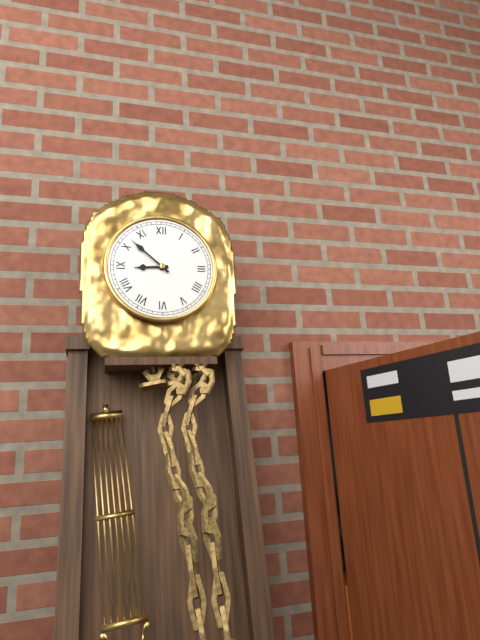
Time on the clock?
8:52
